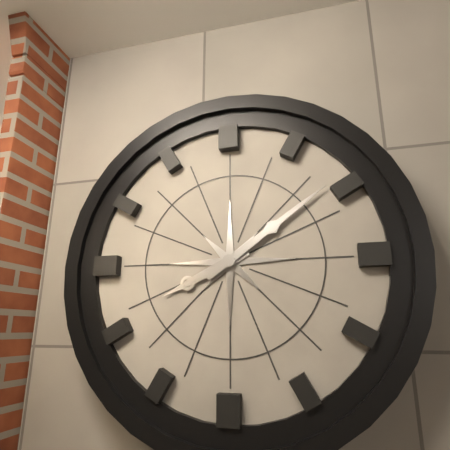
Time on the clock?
8:09
